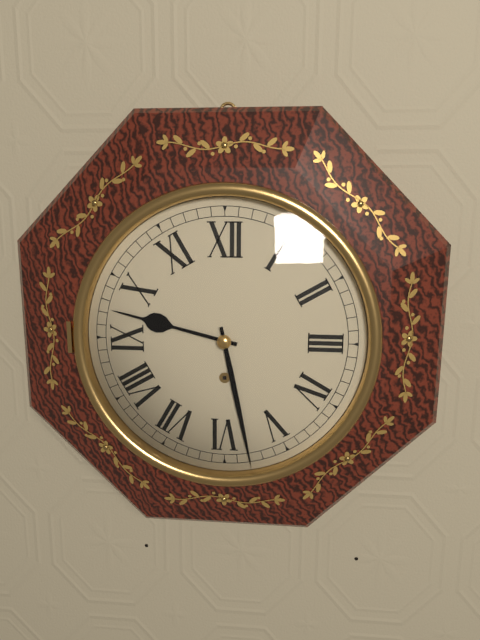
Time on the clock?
9:28
